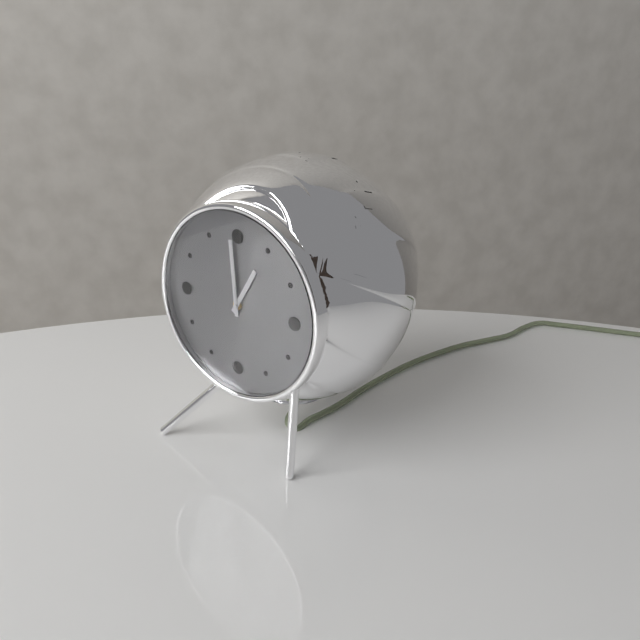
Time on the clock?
12:59
